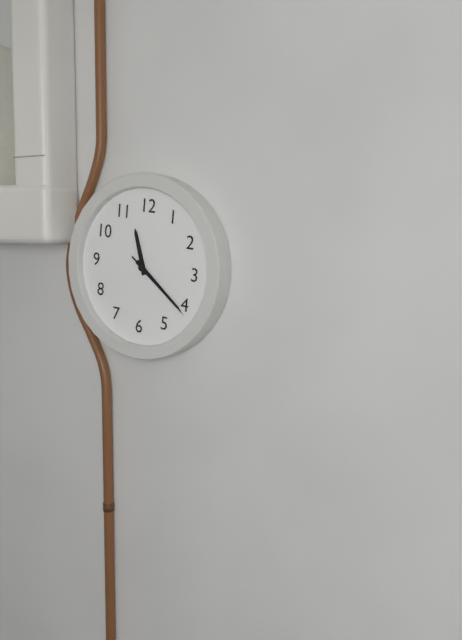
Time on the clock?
11:21:21
